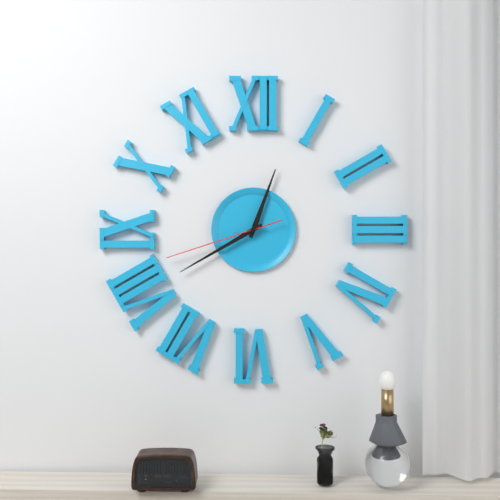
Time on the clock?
12:40:42
